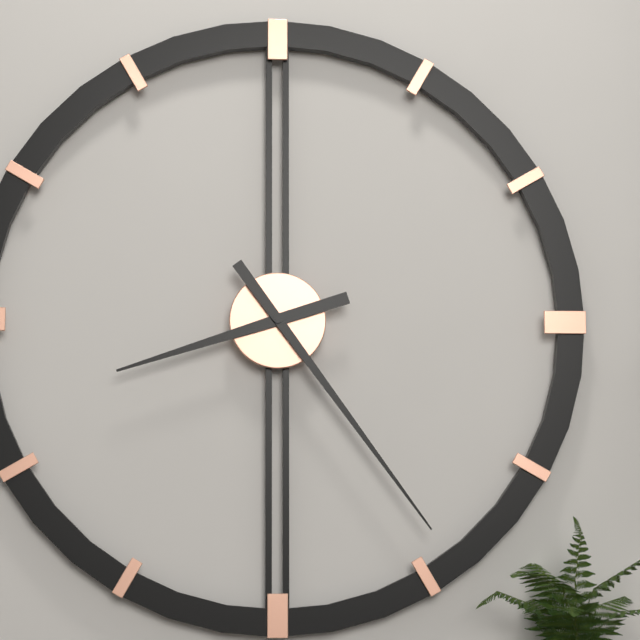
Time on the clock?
8:24
